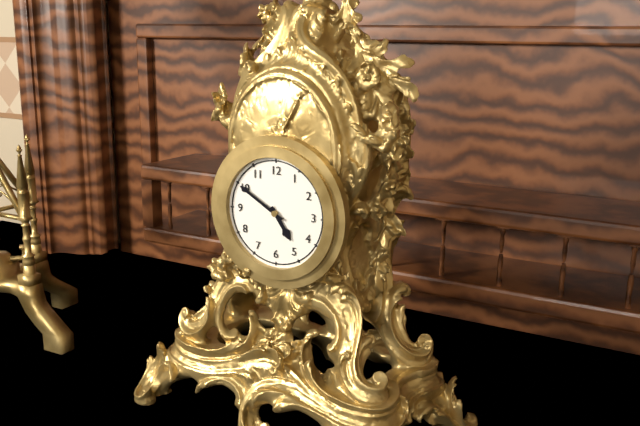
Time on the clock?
4:50
